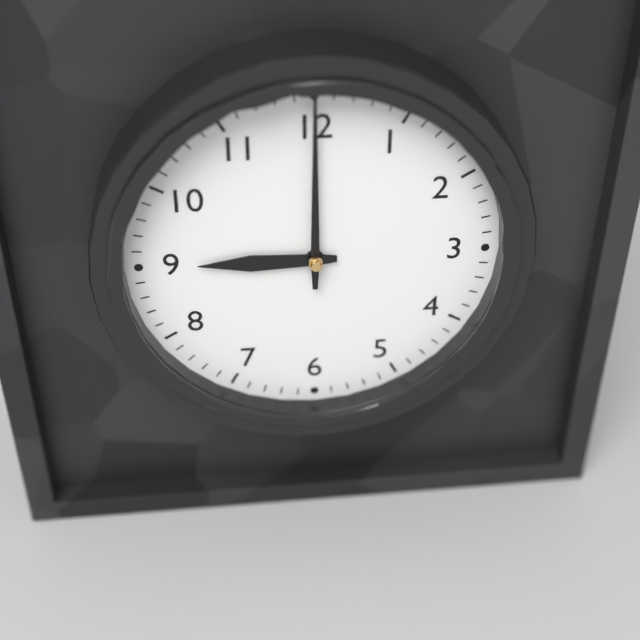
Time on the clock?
9:00
